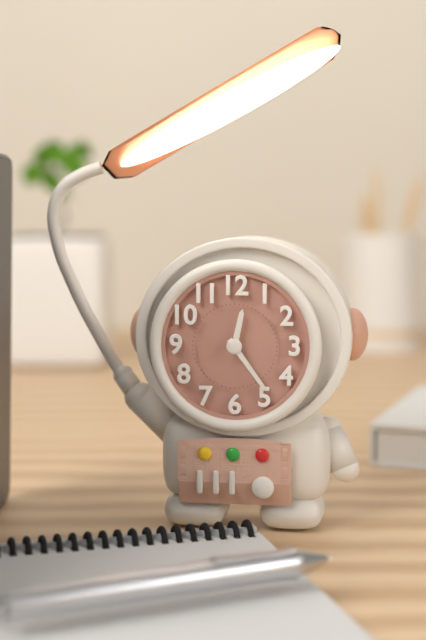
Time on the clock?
12:24
